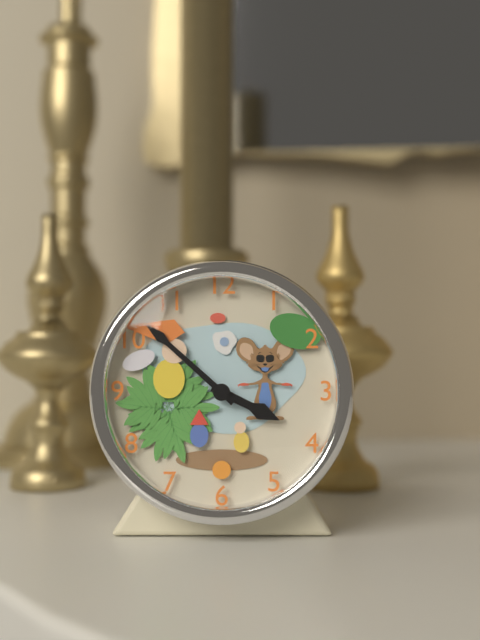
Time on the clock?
3:52
